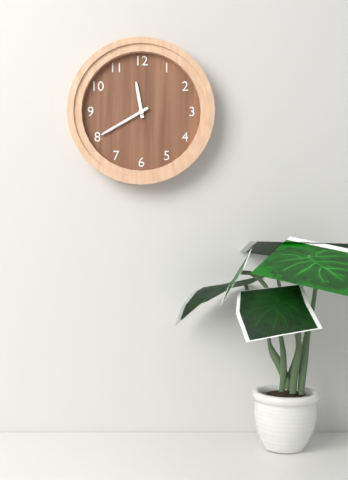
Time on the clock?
11:40
